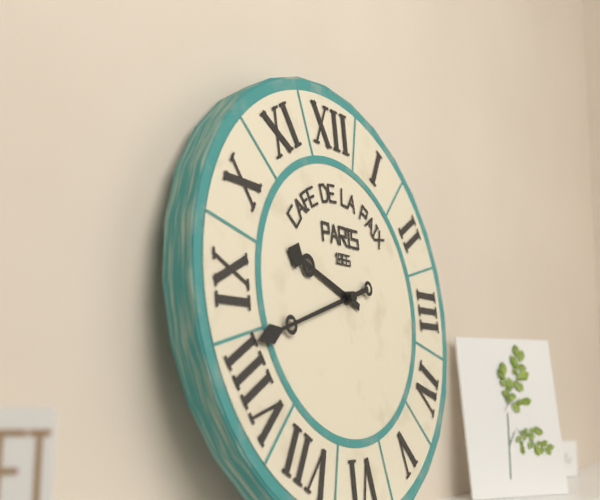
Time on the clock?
9:42
